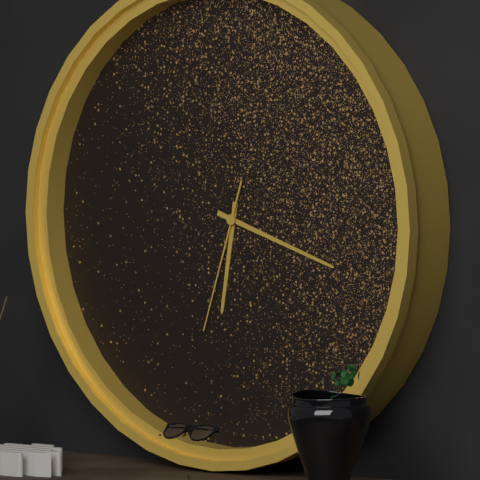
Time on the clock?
6:18:33
